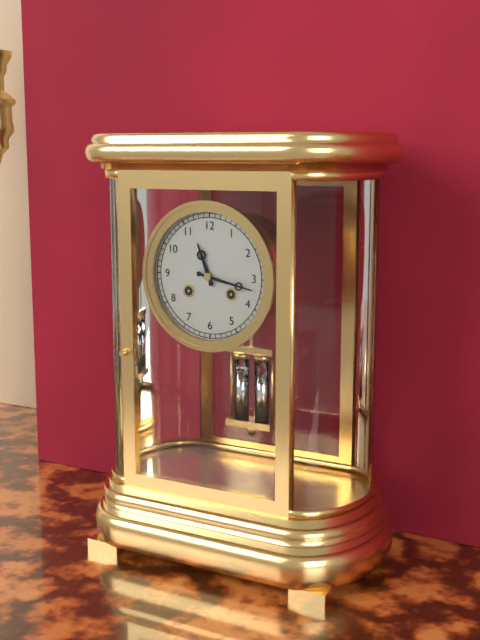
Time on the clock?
11:17
